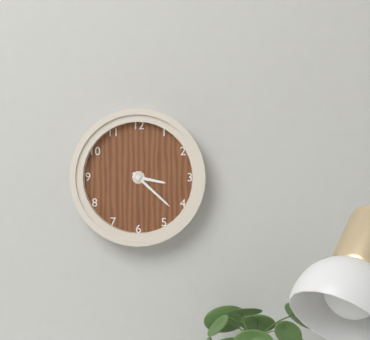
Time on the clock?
3:22
